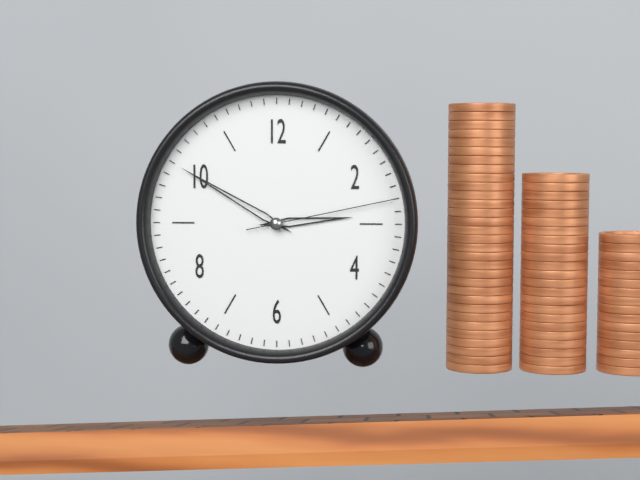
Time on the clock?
2:50:13
